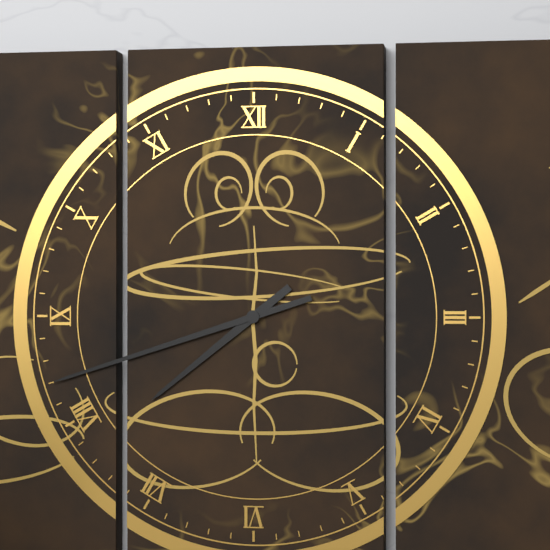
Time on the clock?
7:42
